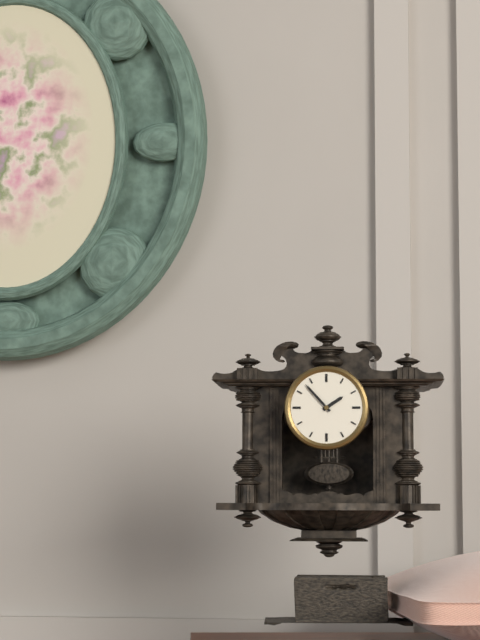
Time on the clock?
1:53
